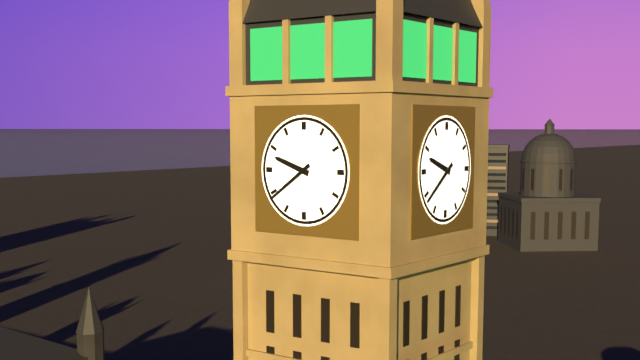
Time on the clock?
9:39
